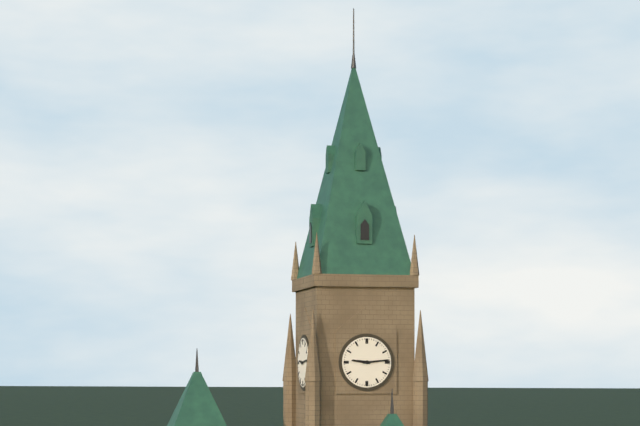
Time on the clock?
9:14
